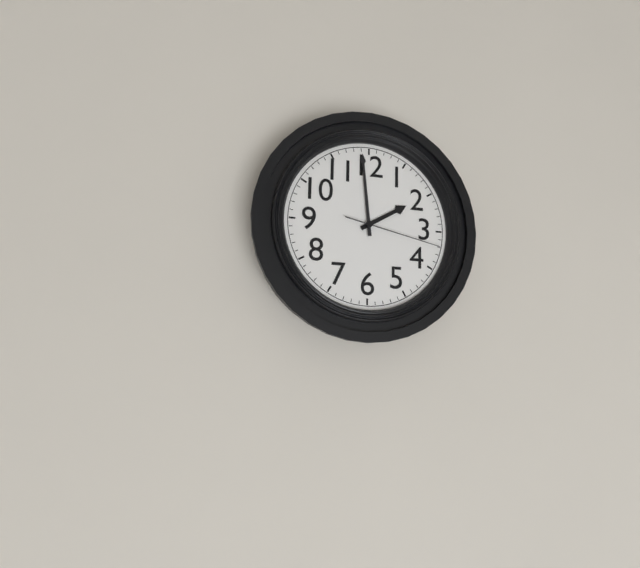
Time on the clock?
1:59:17
